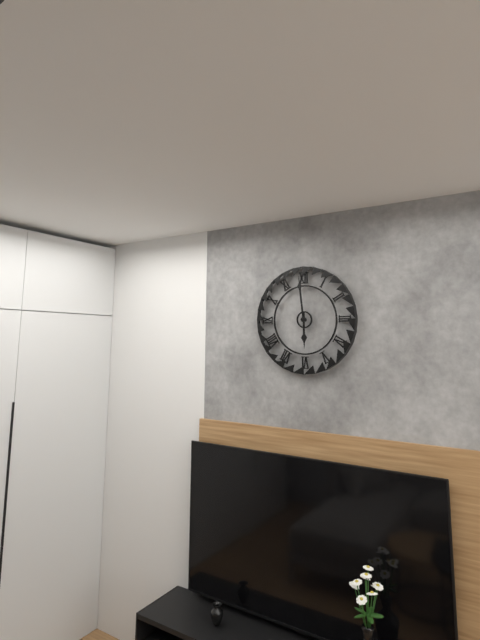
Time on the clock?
5:59
